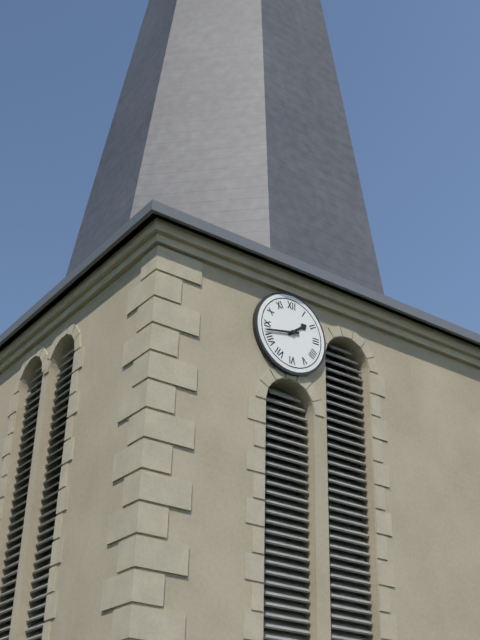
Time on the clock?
1:43
